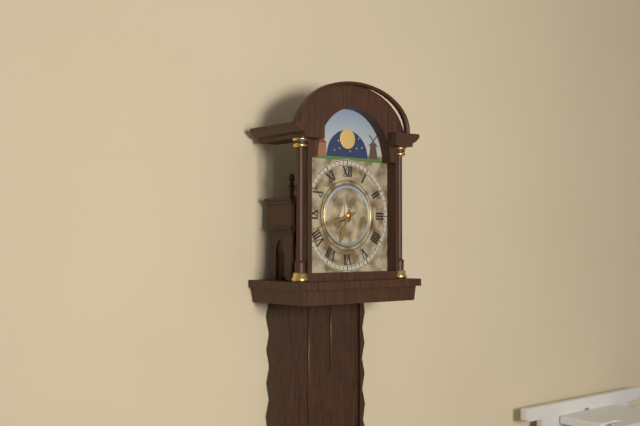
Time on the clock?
6:42
